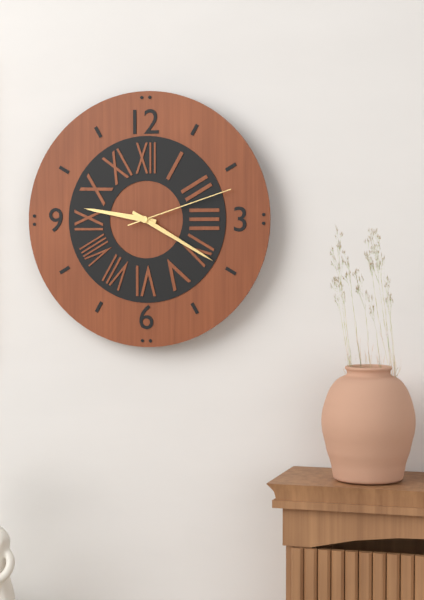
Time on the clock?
9:20:12
